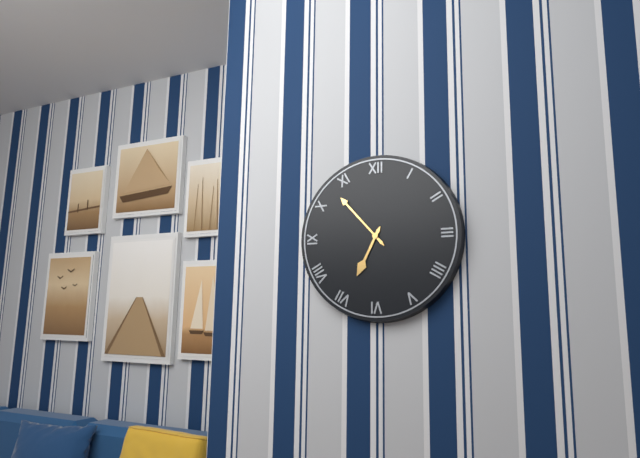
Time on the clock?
6:53
